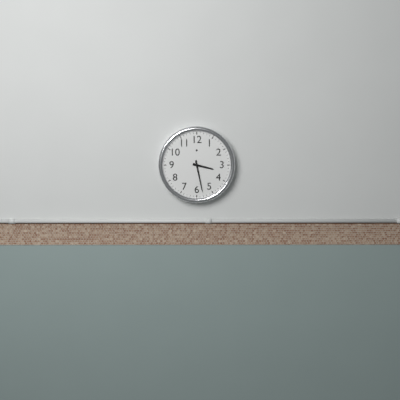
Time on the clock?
3:28
